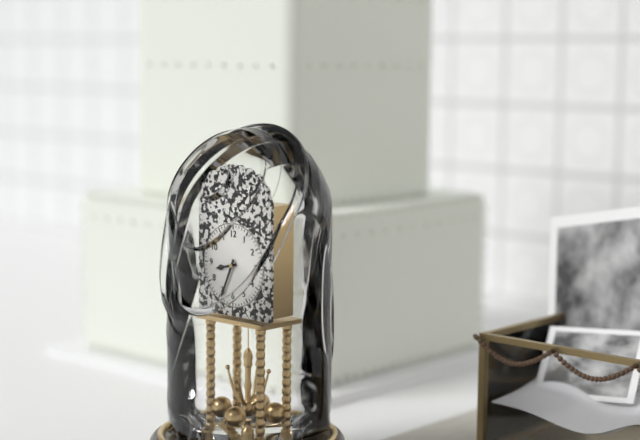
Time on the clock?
8:34
